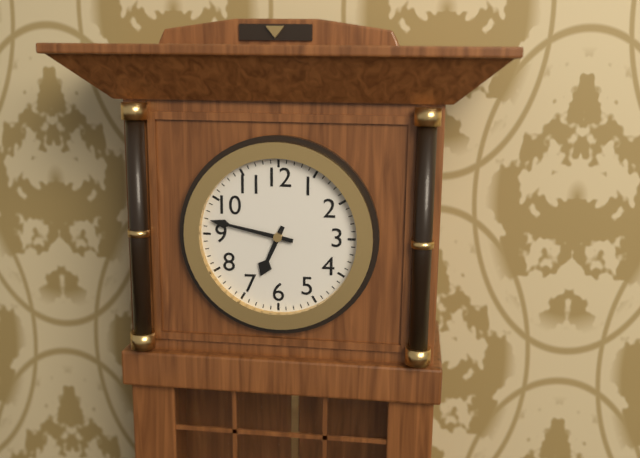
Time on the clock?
6:47
